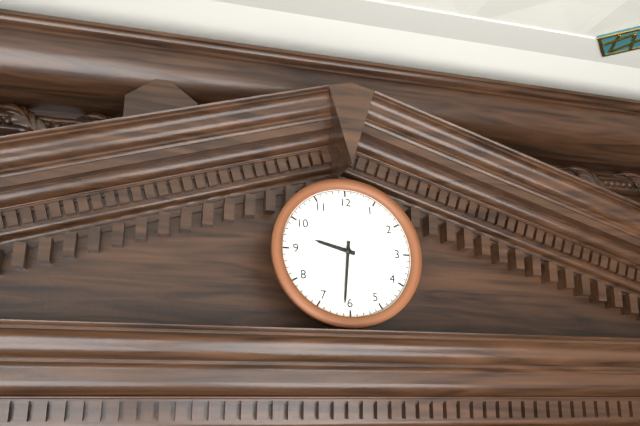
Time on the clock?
9:31
